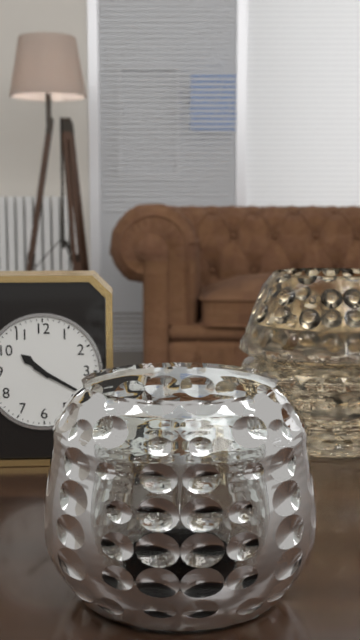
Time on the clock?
10:20
